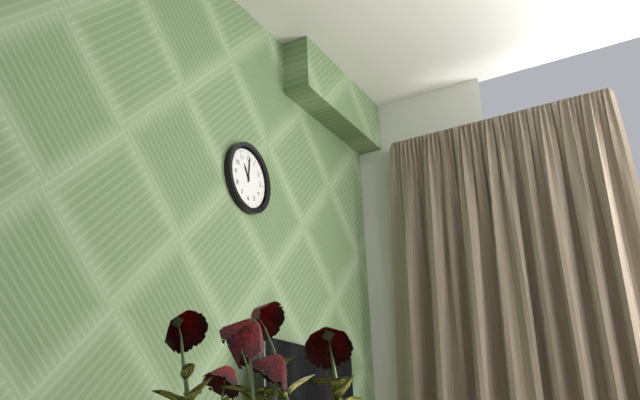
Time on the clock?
11:01
